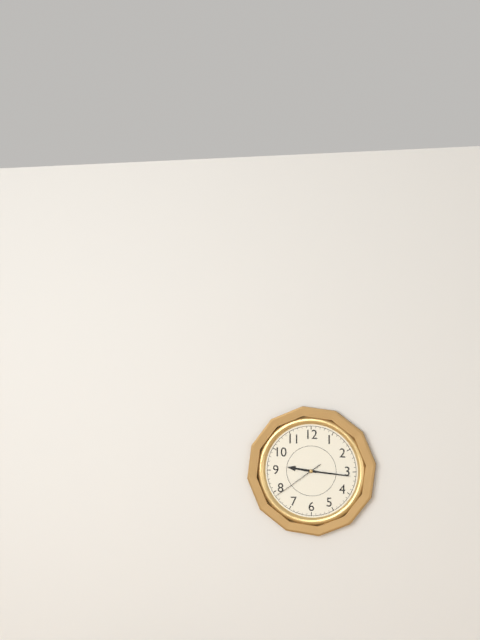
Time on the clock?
9:16:39
